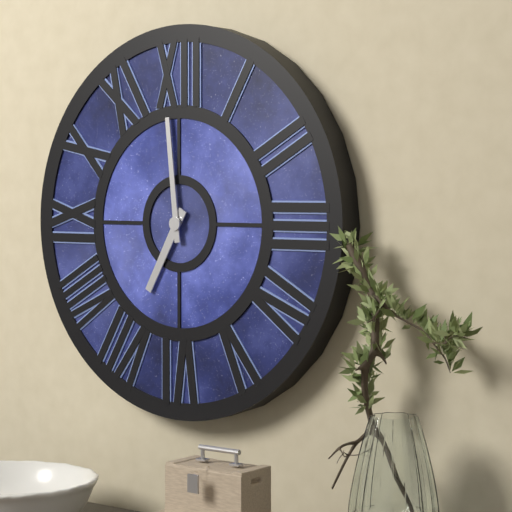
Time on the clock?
6:59
